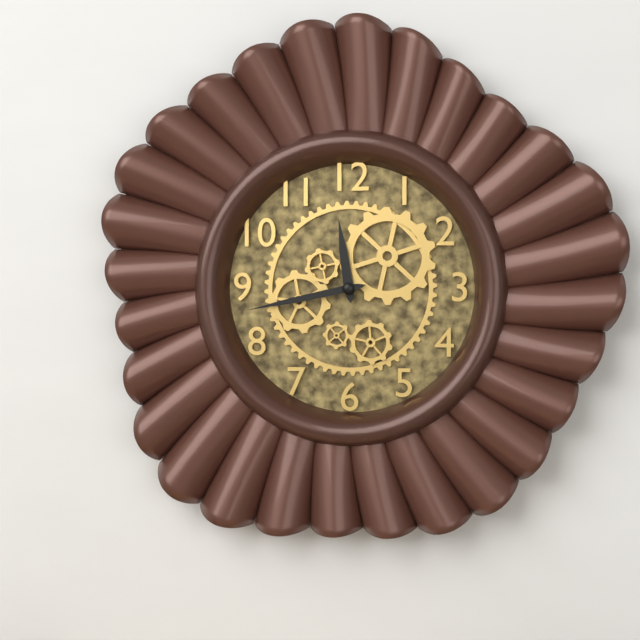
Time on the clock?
11:43
